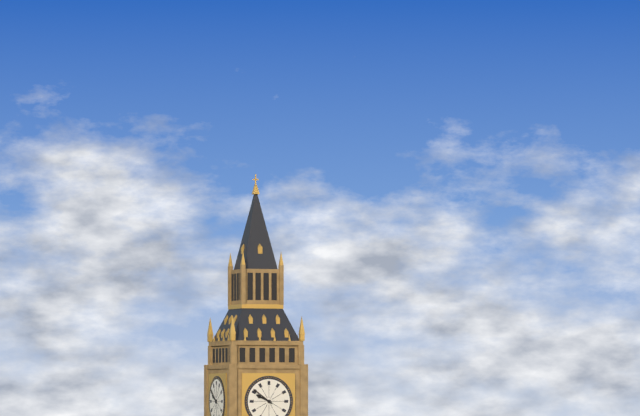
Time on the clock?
9:51
